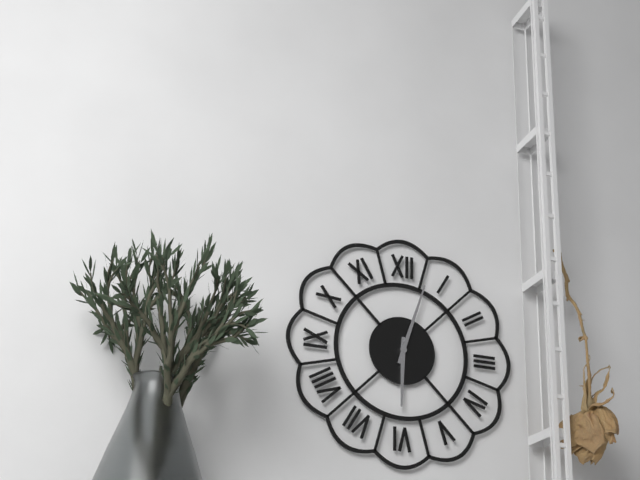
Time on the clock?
6:03
